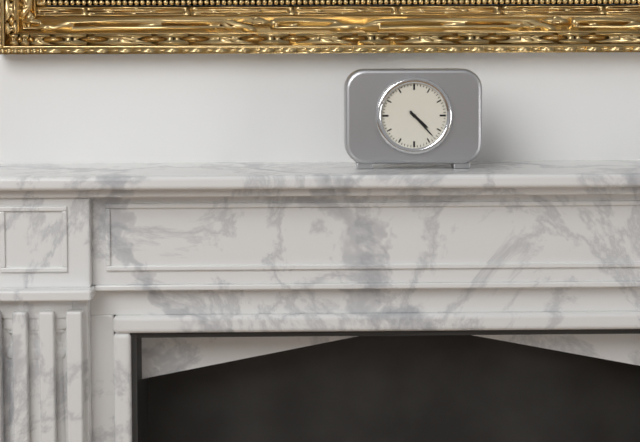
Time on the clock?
4:23
